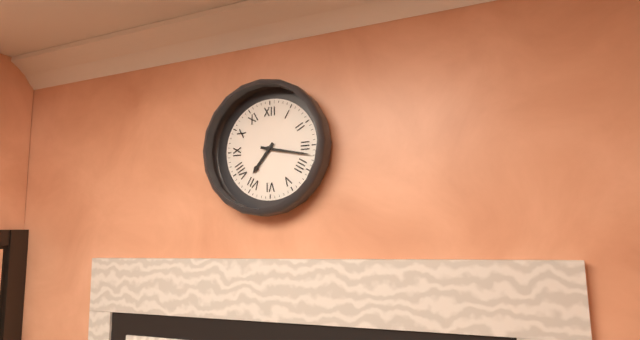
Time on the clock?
7:17
